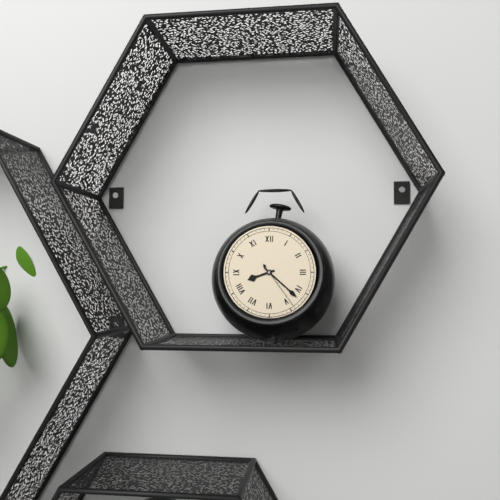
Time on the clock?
8:22:24
